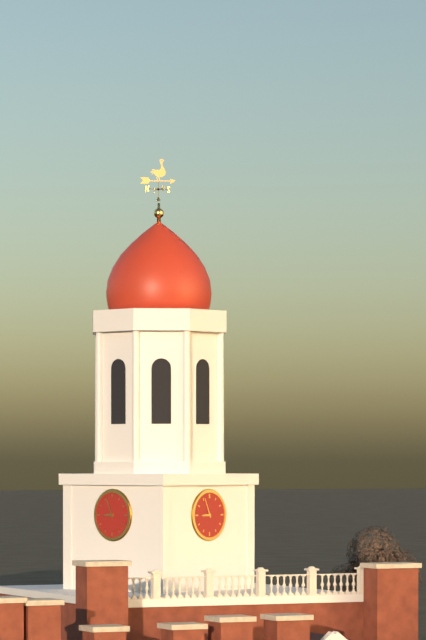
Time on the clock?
8:56
